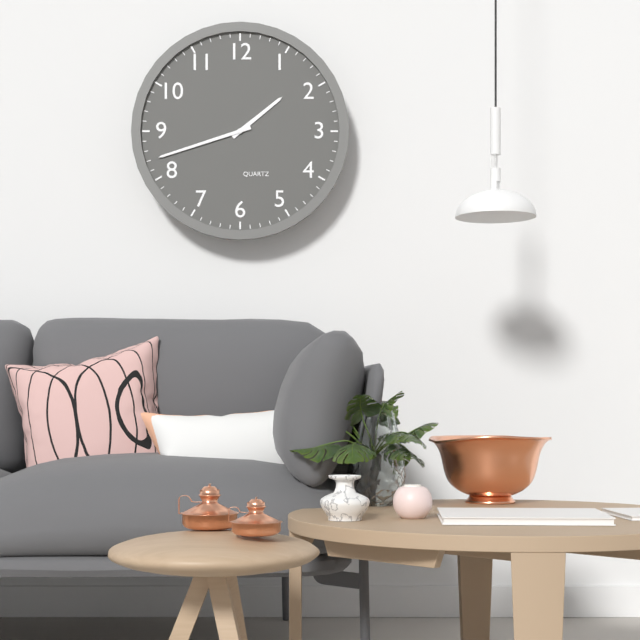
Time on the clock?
1:42
